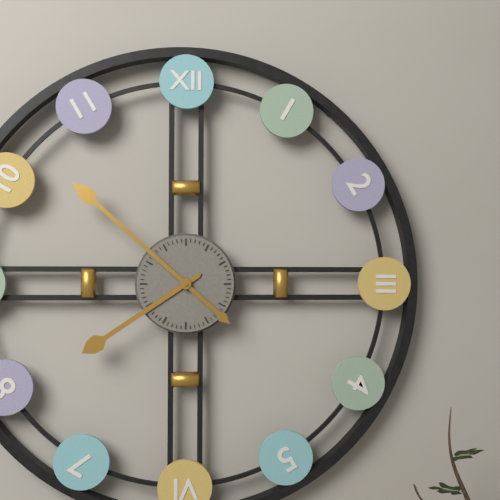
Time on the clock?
7:52
